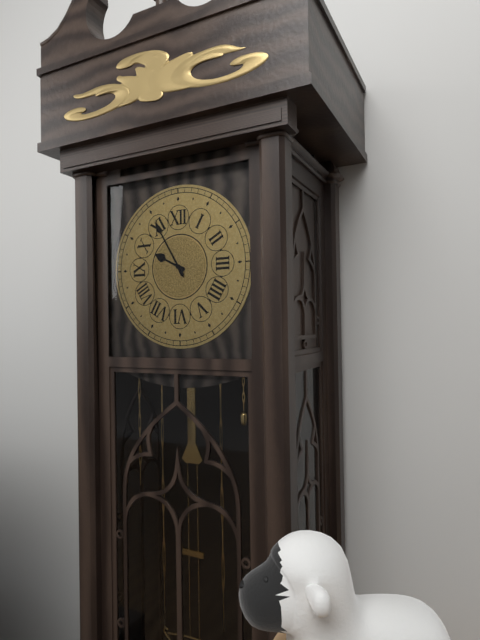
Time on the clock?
9:55
